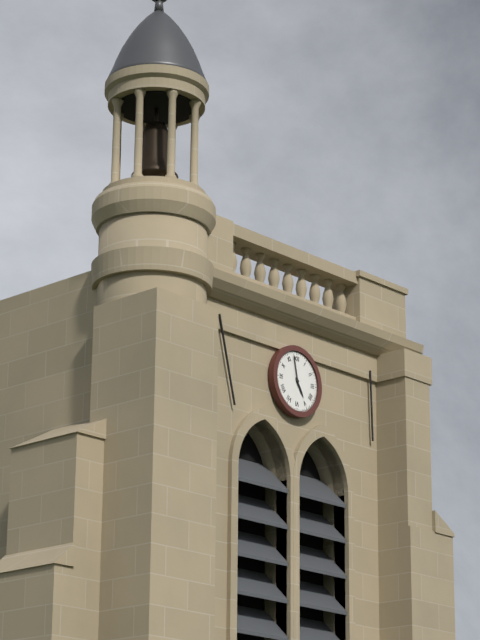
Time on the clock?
4:58
